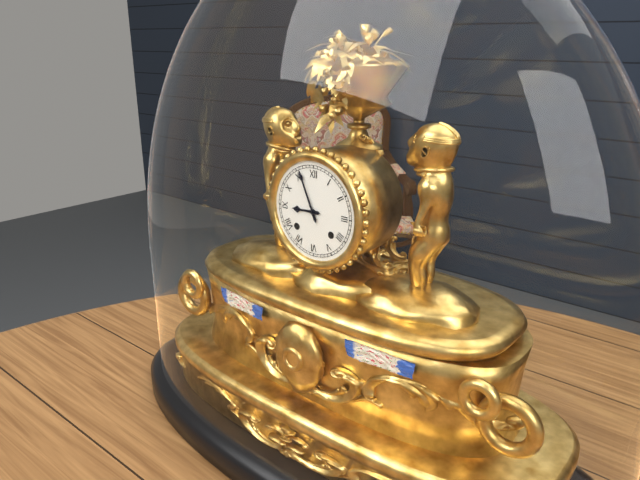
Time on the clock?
8:56
